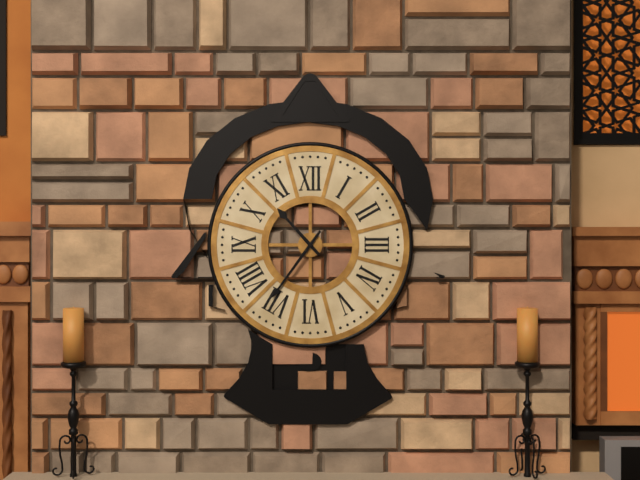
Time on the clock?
10:36
